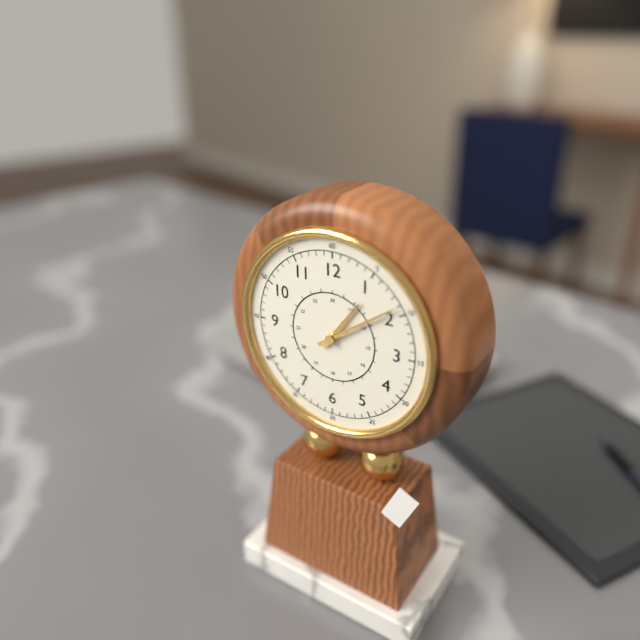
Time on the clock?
1:09
